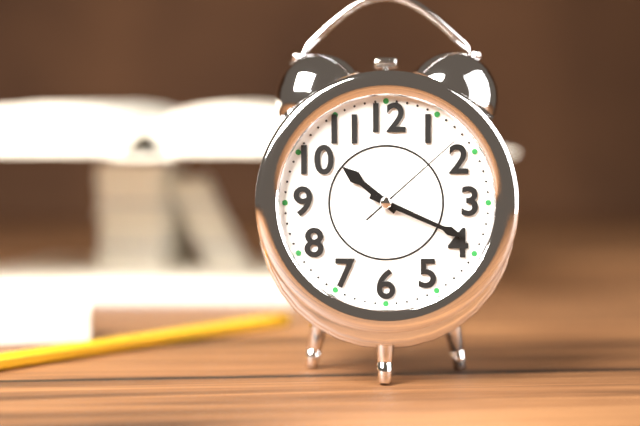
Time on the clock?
10:19:08
